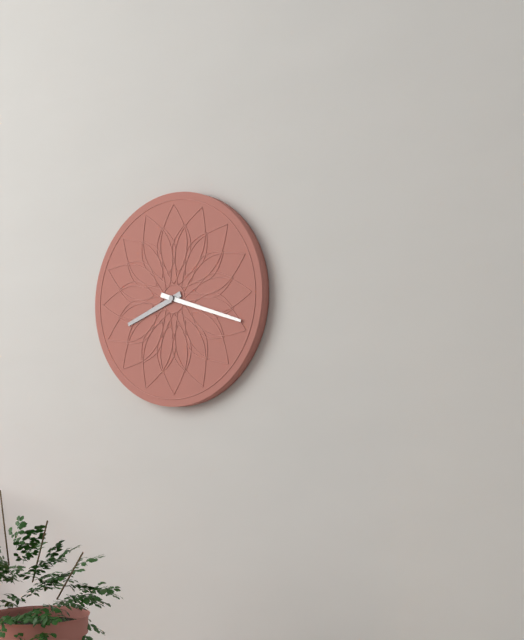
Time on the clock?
8:18
